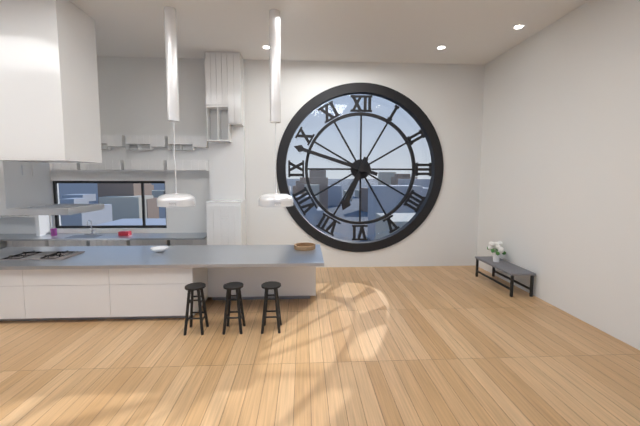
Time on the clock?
6:48
